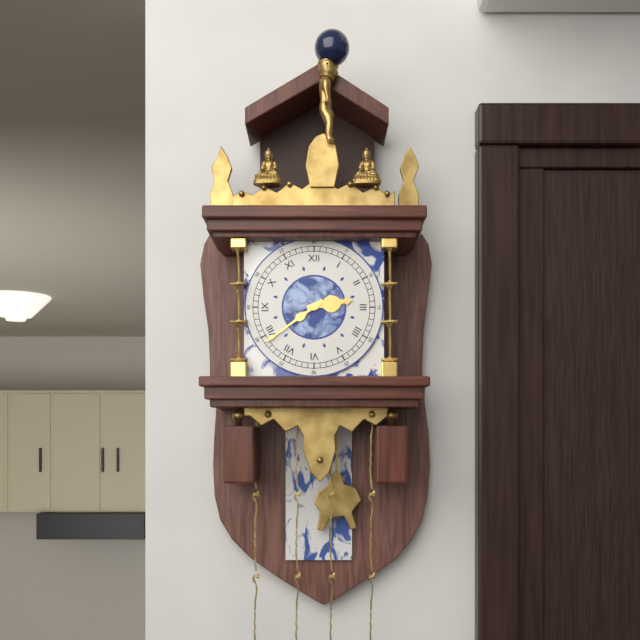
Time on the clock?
2:39
